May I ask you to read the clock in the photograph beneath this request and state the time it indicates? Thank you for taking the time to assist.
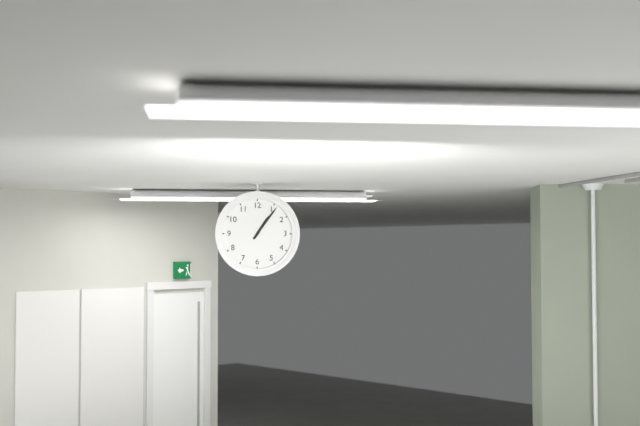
1:06
